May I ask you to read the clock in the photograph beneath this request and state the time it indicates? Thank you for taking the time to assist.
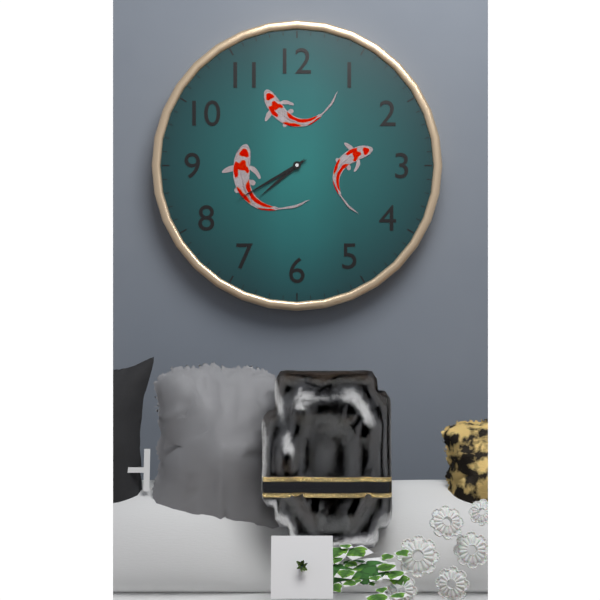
7:40
